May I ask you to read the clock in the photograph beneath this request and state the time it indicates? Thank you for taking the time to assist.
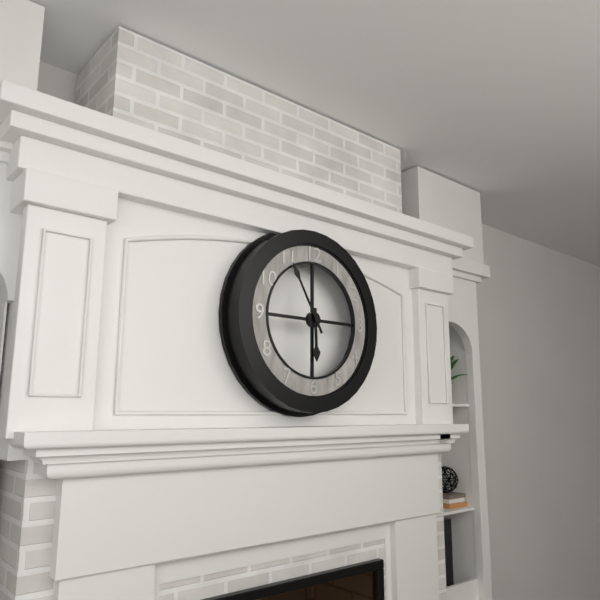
5:55
